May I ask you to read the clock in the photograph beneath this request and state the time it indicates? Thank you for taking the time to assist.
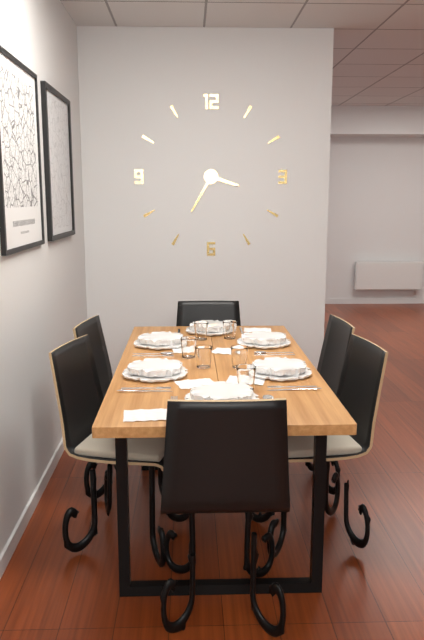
3:35
